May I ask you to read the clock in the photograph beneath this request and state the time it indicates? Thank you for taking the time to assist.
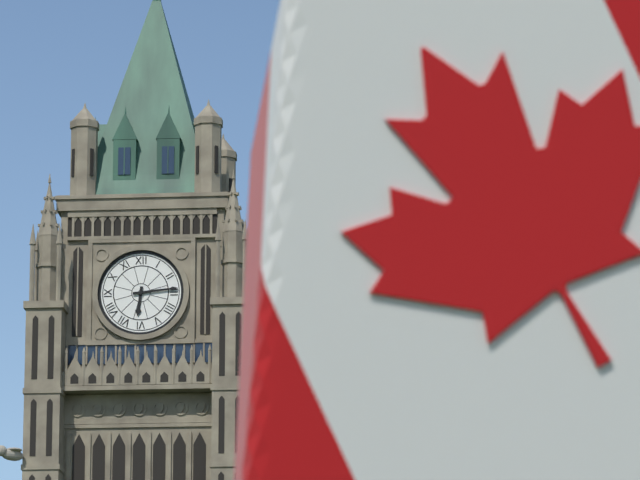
6:14
